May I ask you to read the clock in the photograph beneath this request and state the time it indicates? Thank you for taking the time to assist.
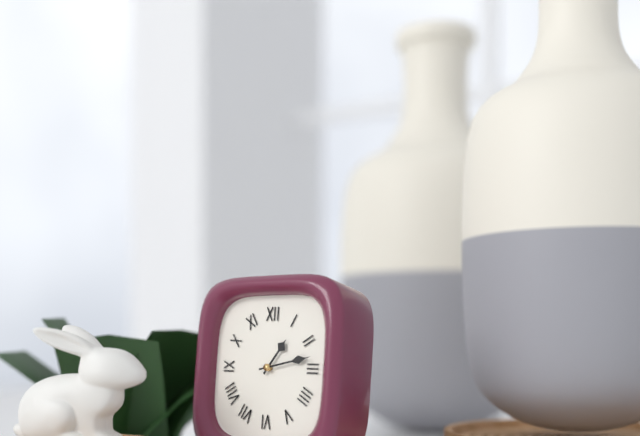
1:13
